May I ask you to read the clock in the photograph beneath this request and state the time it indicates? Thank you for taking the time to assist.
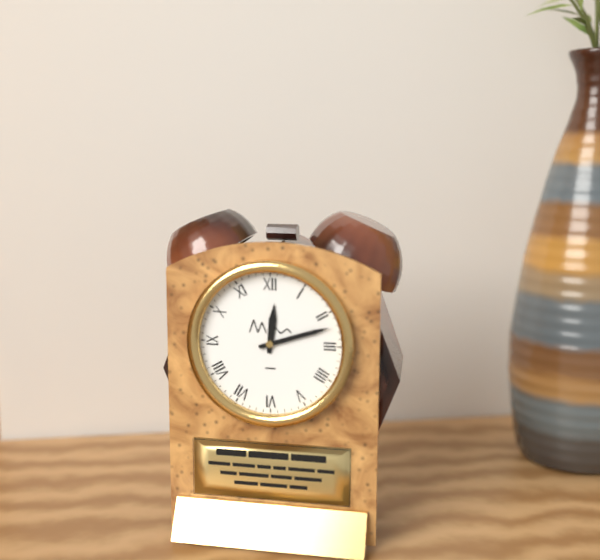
12:12
